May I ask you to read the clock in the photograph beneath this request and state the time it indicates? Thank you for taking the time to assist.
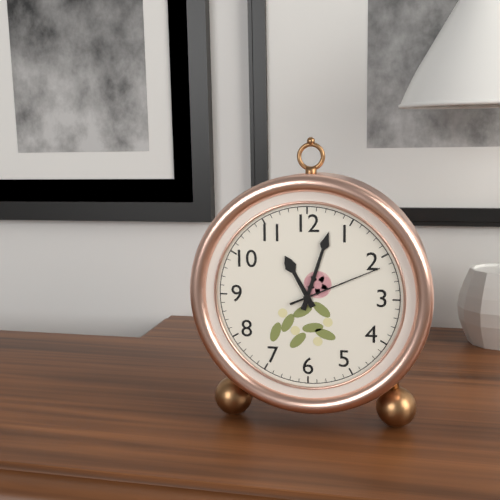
11:03:11
